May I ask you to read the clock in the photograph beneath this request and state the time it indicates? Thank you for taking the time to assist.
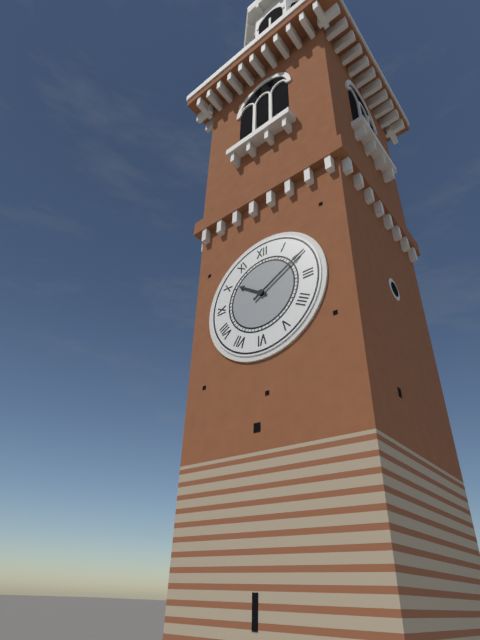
10:10
